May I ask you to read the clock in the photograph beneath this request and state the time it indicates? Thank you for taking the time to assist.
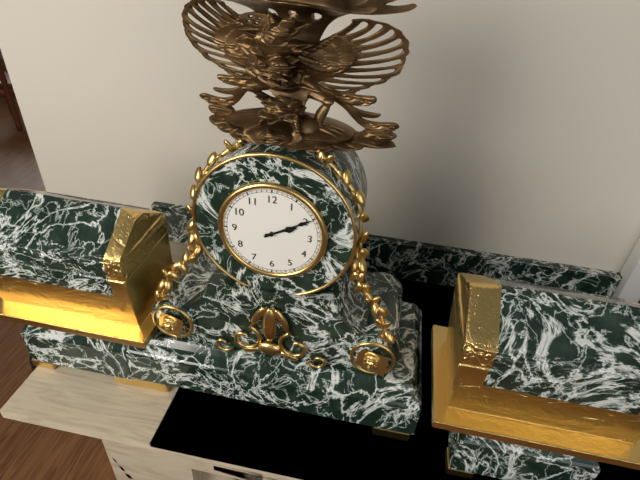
2:10
